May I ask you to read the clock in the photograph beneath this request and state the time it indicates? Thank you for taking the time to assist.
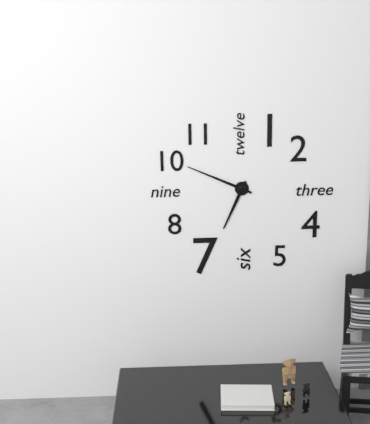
6:49
